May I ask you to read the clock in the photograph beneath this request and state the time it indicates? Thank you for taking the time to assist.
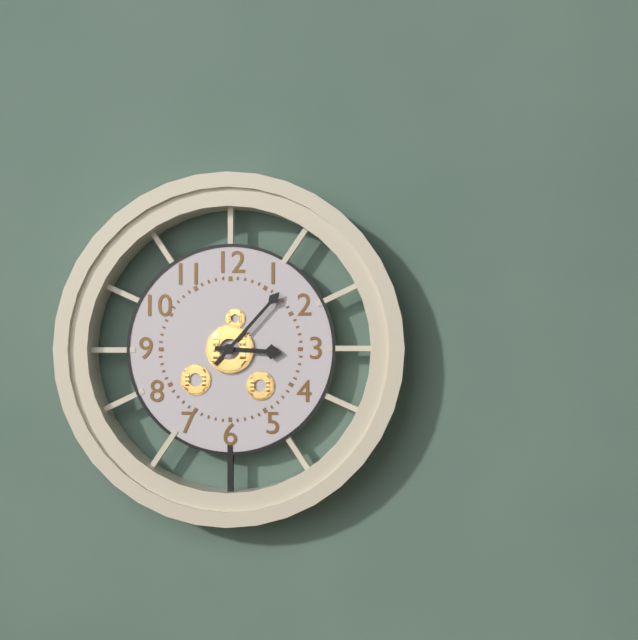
3:07
